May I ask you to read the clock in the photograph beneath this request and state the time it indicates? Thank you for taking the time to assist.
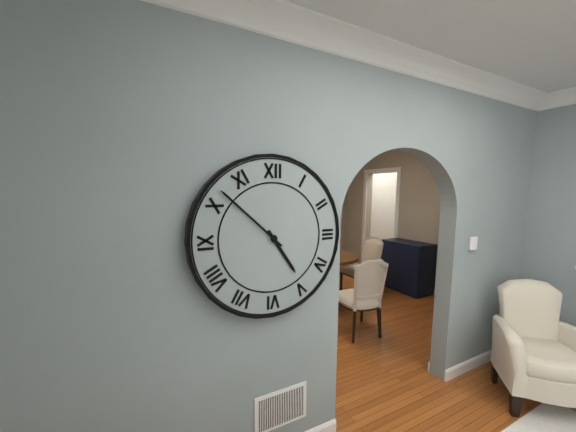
4:52
